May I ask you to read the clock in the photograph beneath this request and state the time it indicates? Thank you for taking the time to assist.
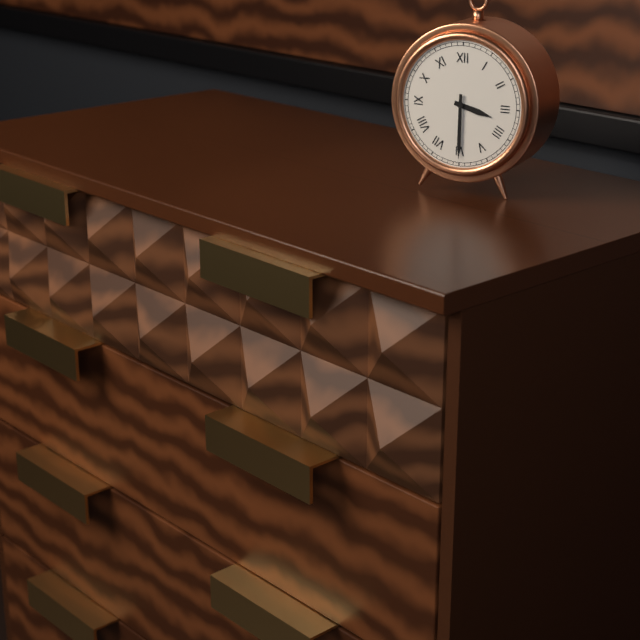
3:30
